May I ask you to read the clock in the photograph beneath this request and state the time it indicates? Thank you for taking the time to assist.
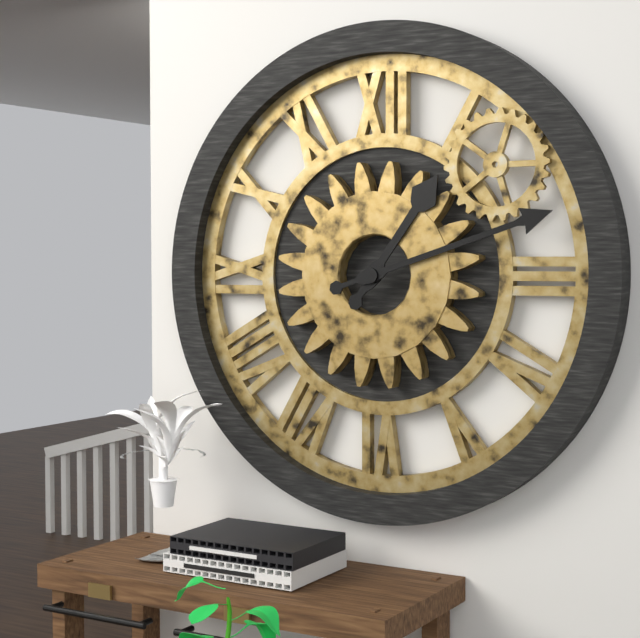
1:12
